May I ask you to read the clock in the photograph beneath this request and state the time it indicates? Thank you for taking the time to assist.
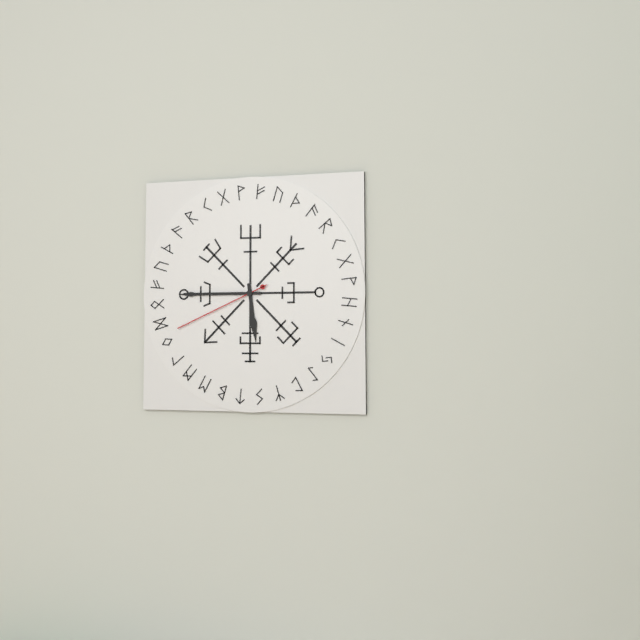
5:45:41
